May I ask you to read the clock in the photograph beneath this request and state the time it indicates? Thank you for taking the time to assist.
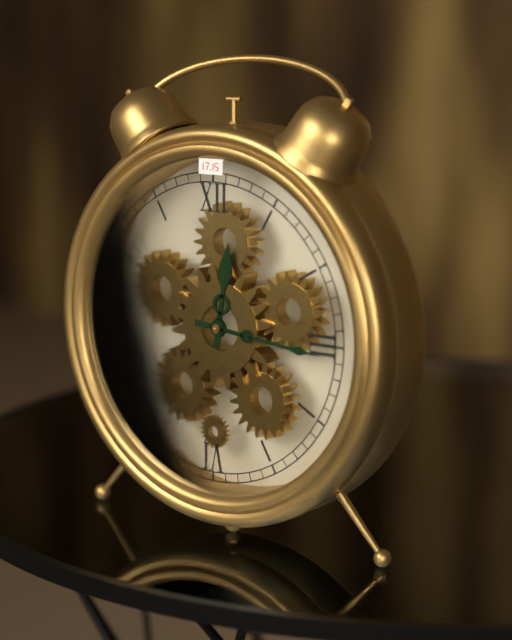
12:16
